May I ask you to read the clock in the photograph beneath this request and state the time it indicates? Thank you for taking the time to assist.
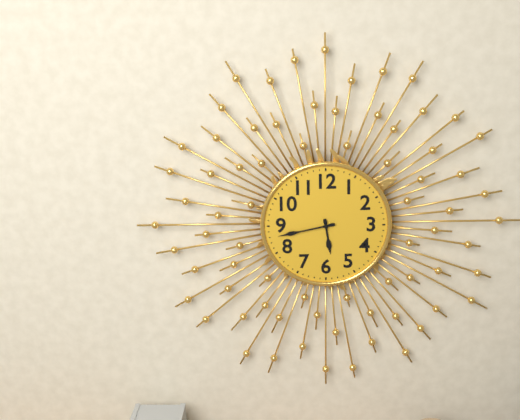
5:43
